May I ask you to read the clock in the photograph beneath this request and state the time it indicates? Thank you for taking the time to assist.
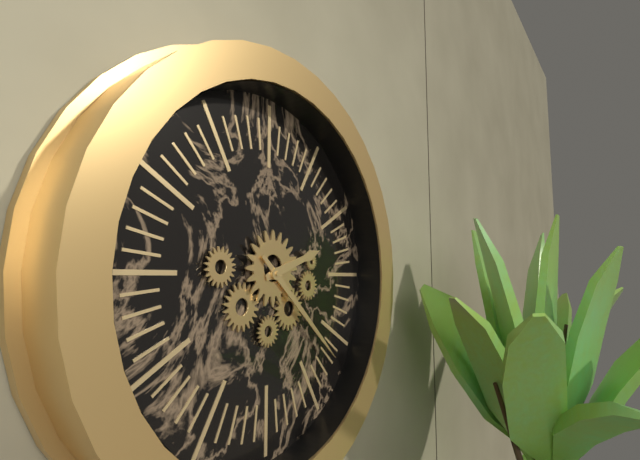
2:22
